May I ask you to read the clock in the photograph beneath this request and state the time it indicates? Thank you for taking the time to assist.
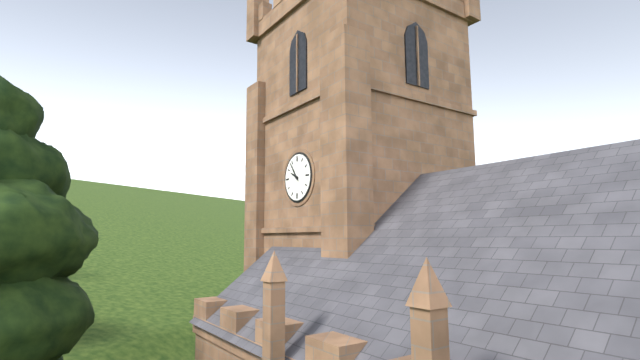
9:54
